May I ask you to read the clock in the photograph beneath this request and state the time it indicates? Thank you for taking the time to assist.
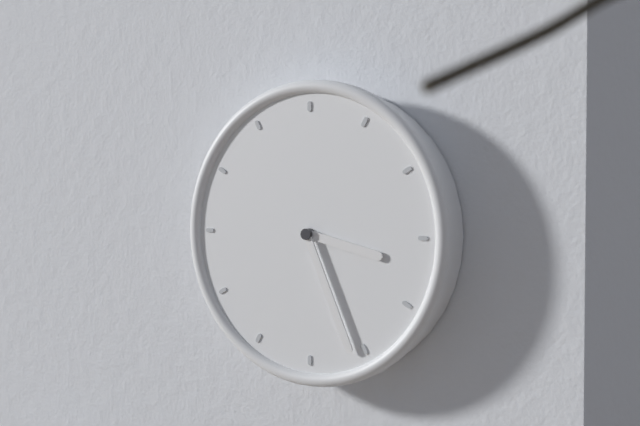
3:26
